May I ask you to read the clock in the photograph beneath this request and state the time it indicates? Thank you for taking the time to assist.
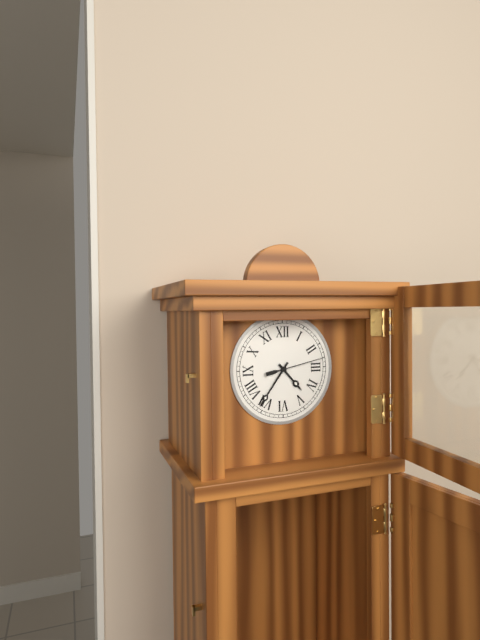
4:36:13
